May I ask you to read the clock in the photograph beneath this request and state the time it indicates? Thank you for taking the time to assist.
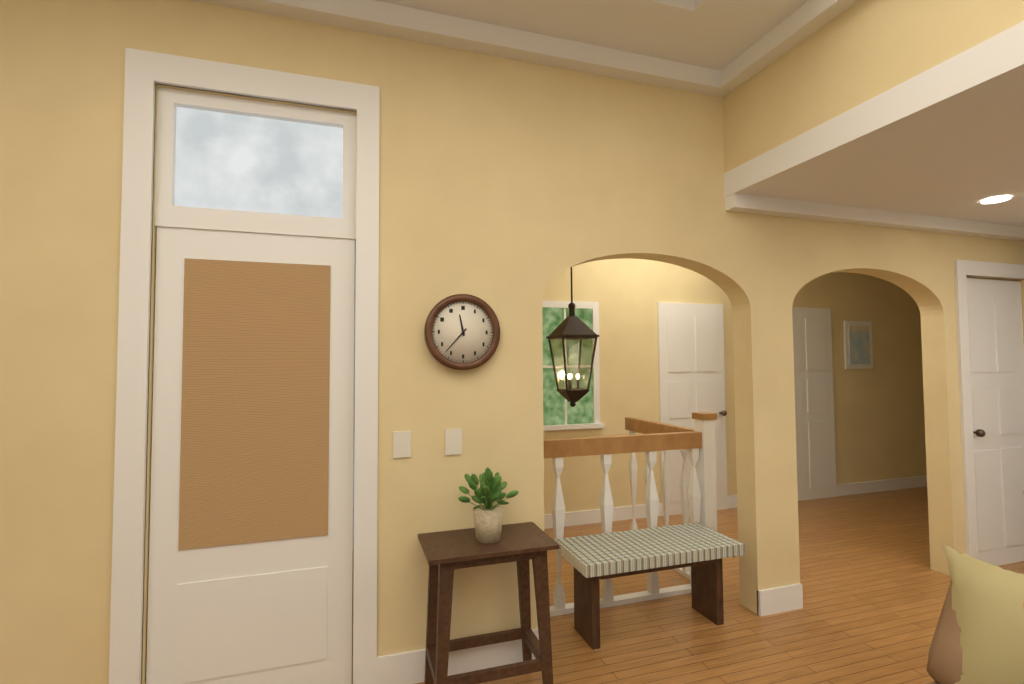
11:37
